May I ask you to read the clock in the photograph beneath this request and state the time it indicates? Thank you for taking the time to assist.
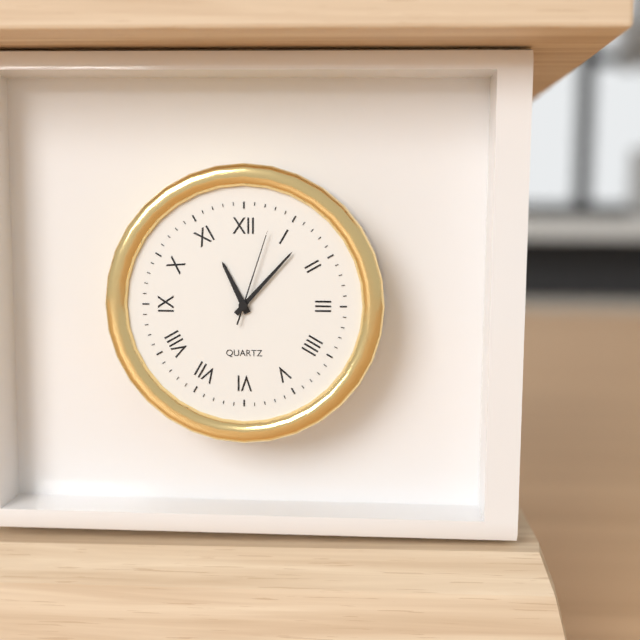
11:07:03
